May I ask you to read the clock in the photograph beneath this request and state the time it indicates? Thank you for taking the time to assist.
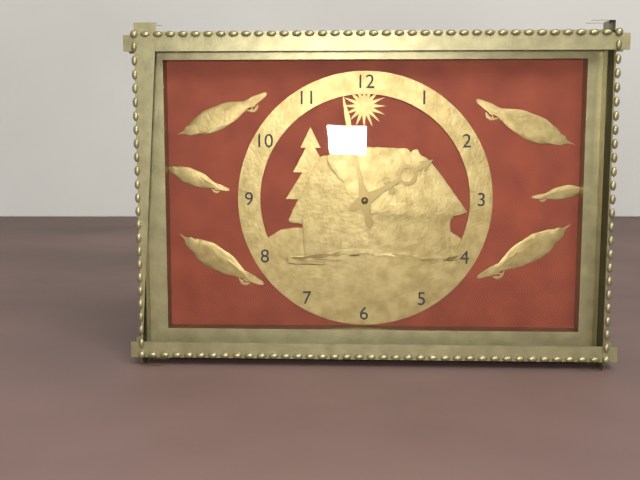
1:58
